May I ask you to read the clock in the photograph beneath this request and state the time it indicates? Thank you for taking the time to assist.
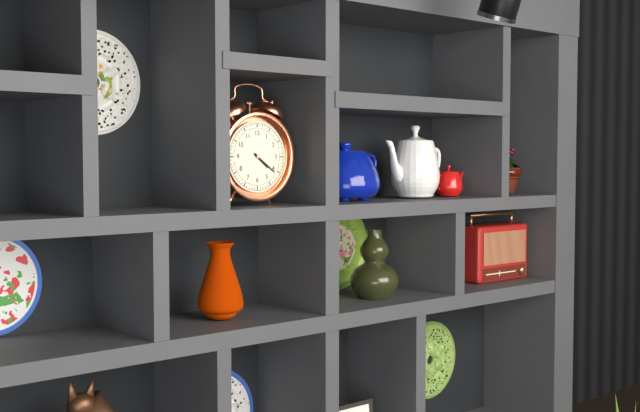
4:21
